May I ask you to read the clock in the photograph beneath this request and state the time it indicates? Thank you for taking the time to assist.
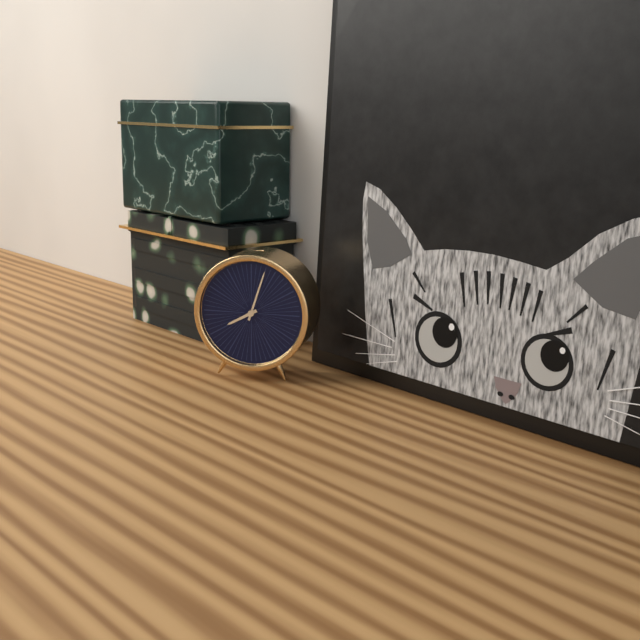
8:03
